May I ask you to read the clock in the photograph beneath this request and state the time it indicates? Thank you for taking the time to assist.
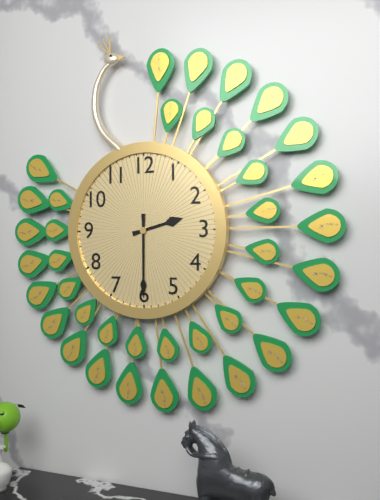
2:30
